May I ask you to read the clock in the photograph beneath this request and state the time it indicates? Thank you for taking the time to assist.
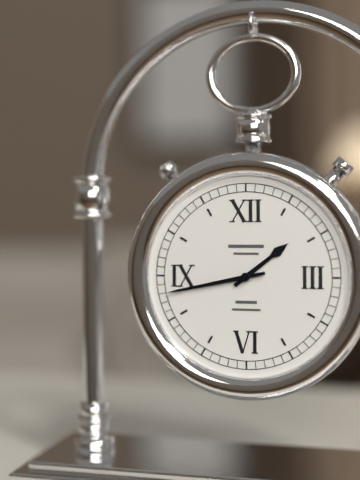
1:43
